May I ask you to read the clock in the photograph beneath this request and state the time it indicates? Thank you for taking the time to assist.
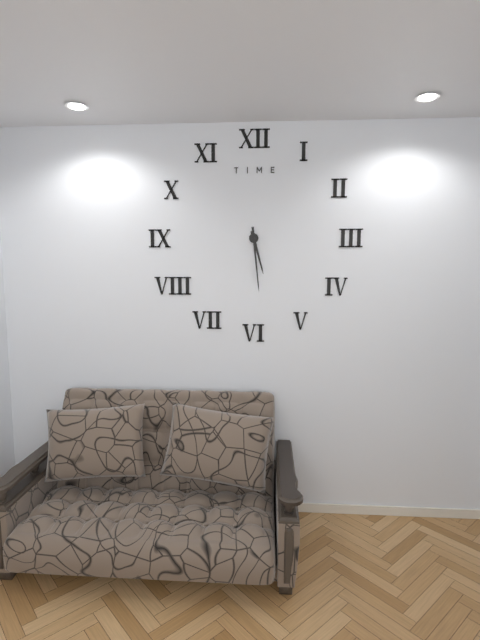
5:29
